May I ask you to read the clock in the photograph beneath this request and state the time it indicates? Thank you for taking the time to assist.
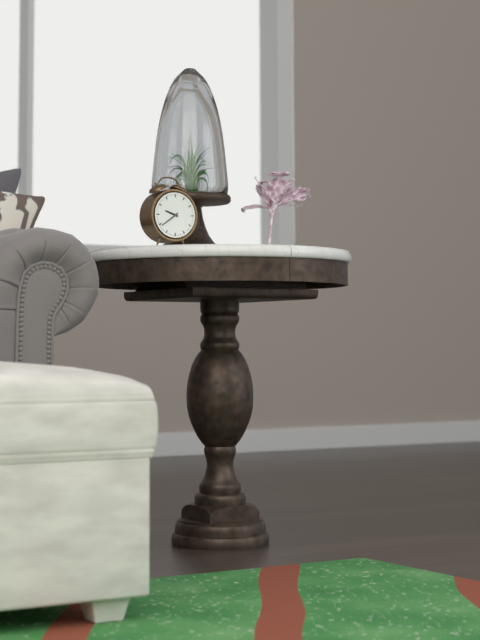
9:39
